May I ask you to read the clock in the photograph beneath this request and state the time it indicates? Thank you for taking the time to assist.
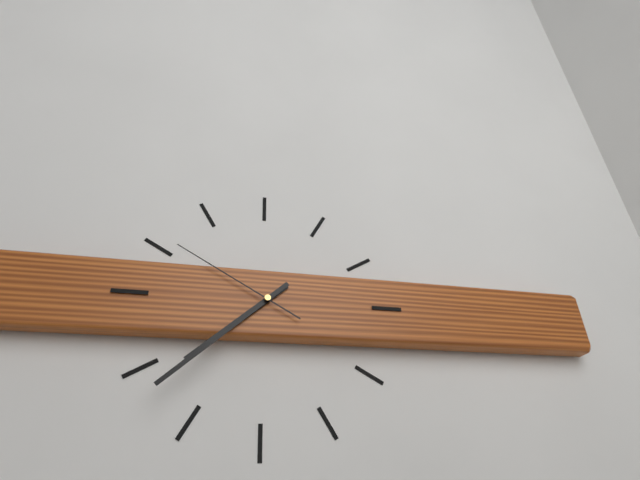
7:38:50
